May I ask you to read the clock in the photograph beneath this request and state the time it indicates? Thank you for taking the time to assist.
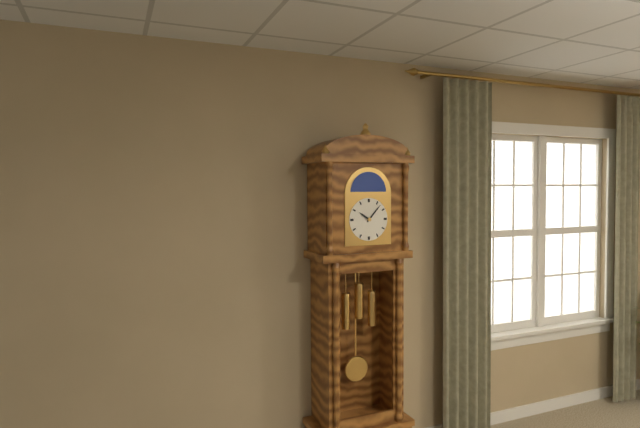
10:07
